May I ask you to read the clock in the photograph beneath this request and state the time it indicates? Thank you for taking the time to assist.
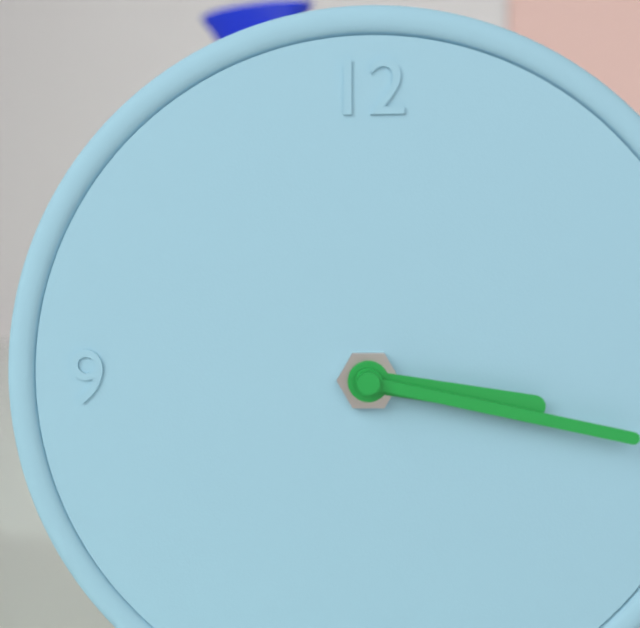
3:17
